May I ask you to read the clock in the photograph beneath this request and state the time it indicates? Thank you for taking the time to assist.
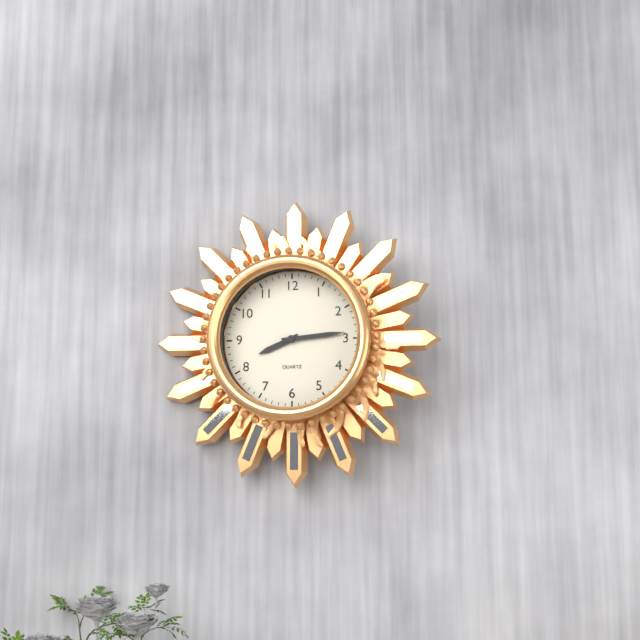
8:14
